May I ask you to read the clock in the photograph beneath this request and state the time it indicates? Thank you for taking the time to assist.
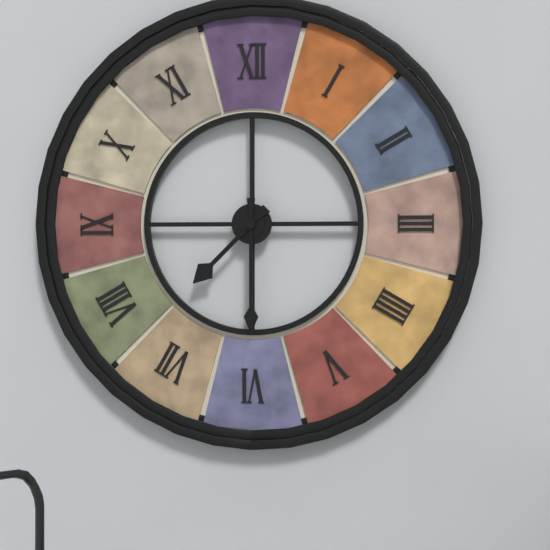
7:30
